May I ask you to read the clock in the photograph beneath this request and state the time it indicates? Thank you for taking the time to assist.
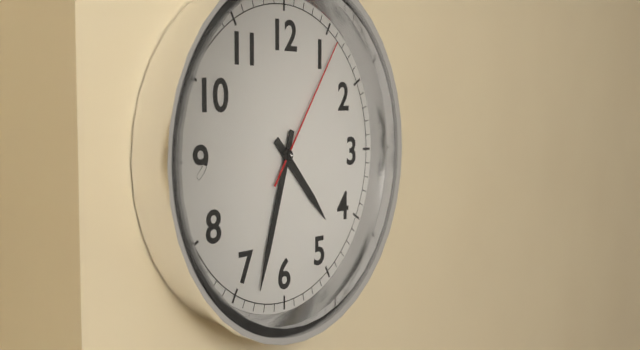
4:33:06
